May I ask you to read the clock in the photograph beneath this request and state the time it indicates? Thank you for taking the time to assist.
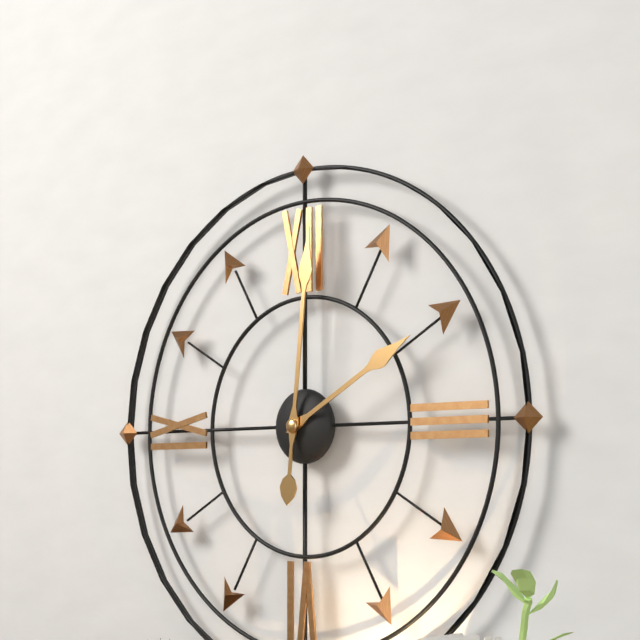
2:01
